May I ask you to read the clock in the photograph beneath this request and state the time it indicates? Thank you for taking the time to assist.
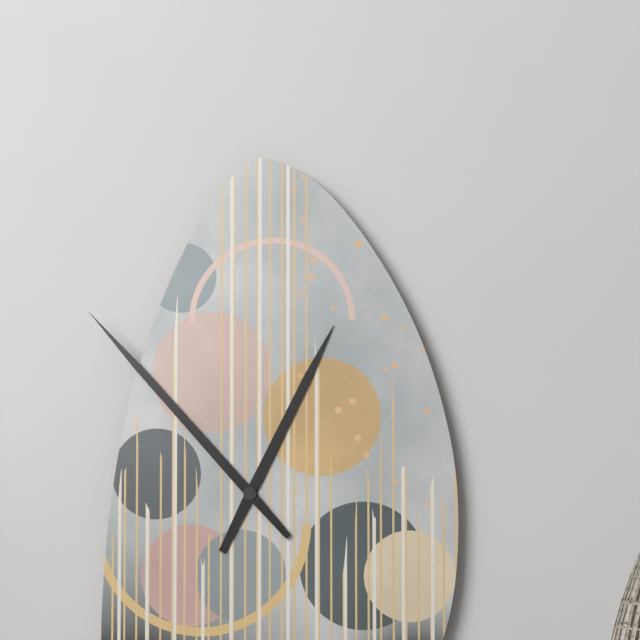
12:53
